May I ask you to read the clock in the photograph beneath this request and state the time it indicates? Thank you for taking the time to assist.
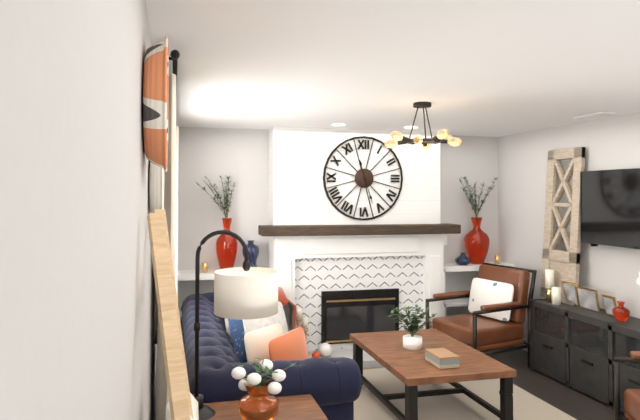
11:27
